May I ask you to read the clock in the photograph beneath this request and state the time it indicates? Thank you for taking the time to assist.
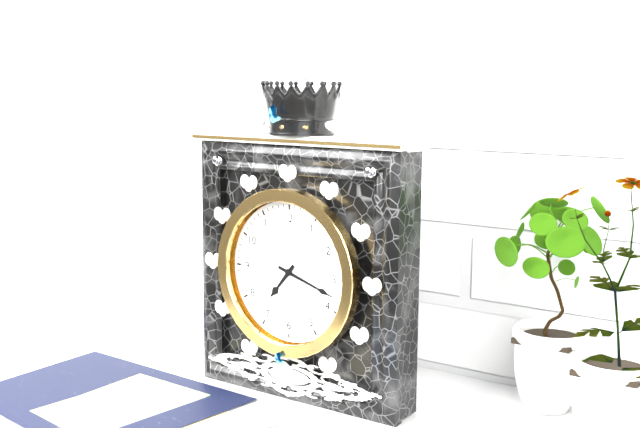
7:18
